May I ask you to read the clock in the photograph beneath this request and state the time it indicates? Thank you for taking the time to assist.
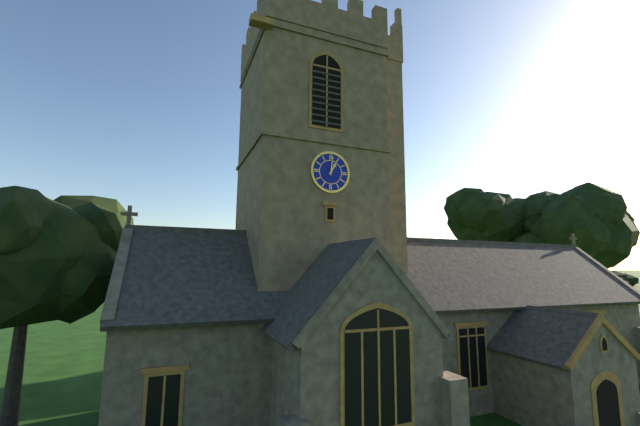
1:01
